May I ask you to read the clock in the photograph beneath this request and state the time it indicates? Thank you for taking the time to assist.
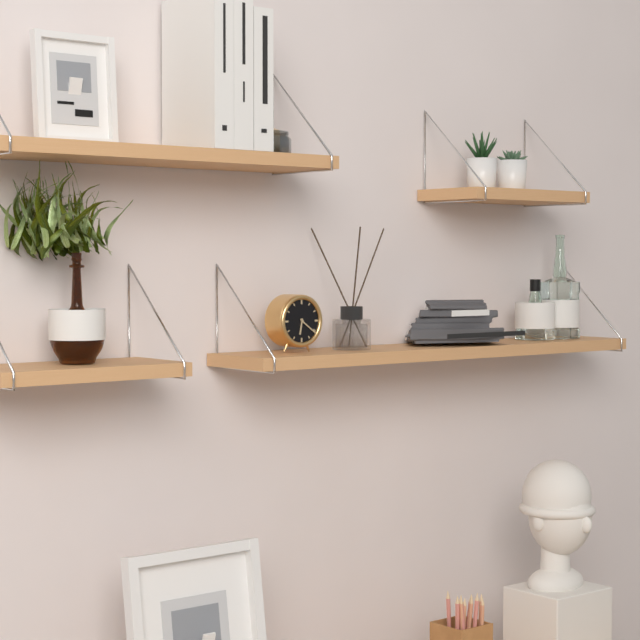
6:21
